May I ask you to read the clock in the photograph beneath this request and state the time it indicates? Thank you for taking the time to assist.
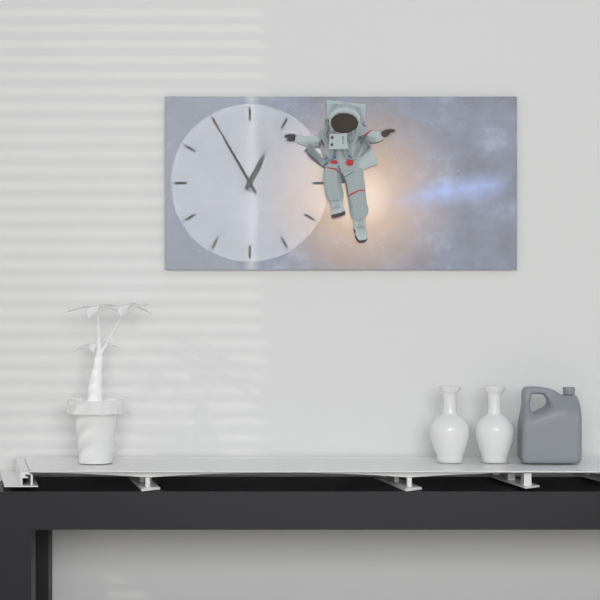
12:55
